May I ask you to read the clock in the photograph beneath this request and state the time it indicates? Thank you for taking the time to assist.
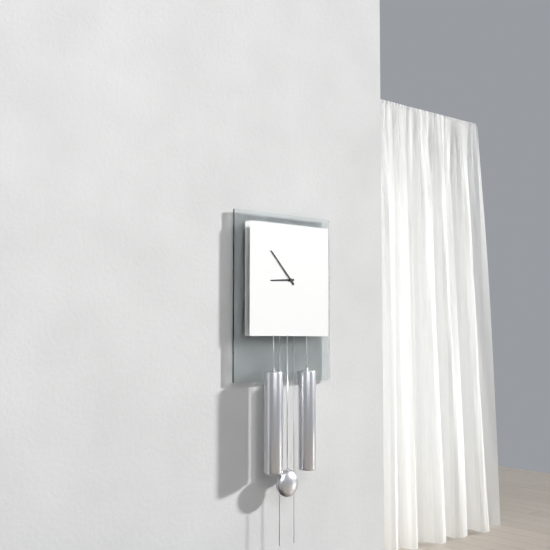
8:53
